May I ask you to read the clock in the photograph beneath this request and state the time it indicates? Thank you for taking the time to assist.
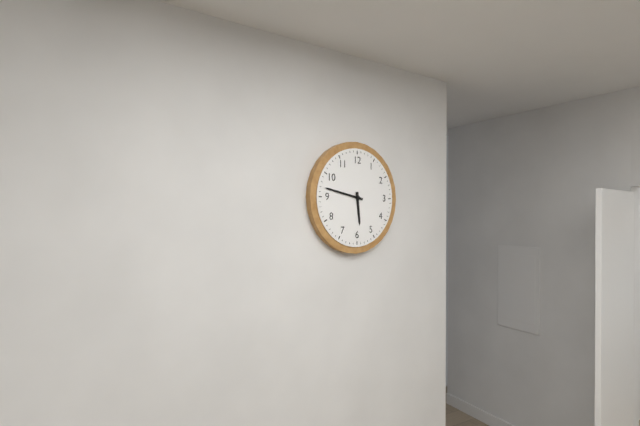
5:47
